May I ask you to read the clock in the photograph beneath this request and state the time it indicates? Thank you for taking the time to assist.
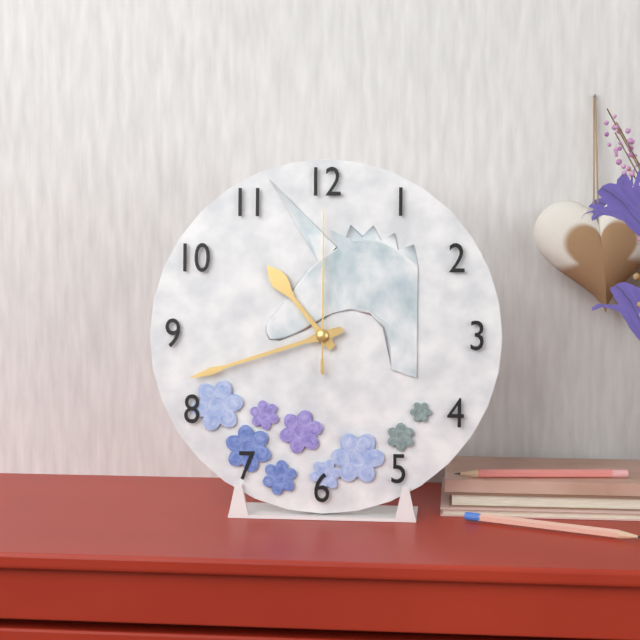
10:42:00
